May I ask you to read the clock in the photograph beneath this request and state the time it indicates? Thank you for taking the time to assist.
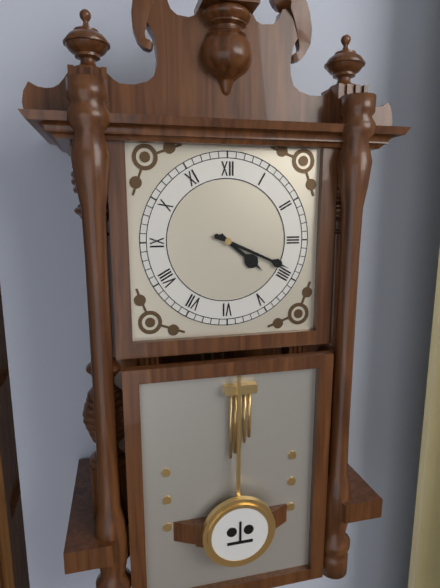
4:19
